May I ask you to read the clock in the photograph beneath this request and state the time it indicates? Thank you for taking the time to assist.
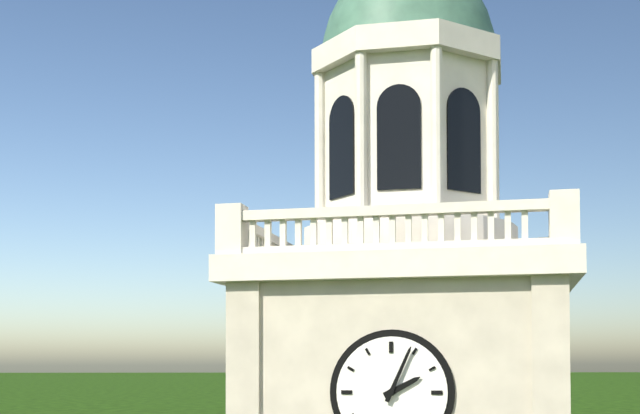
2:04
